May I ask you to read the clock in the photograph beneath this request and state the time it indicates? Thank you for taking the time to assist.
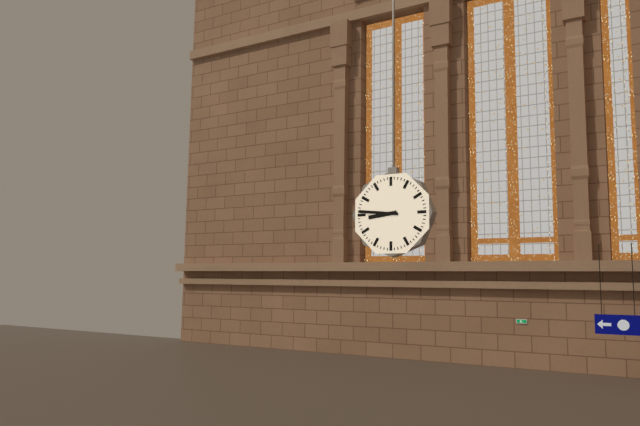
8:46
